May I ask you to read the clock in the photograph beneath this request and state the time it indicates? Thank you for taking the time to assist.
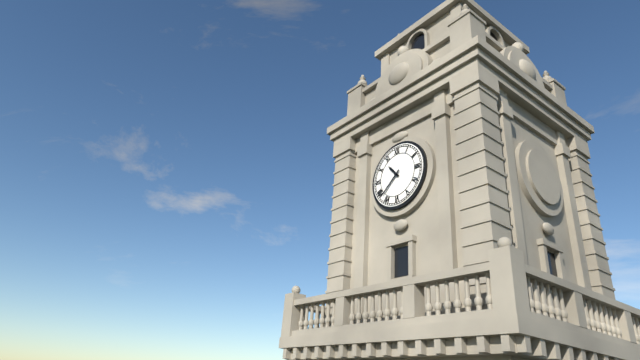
10:38
